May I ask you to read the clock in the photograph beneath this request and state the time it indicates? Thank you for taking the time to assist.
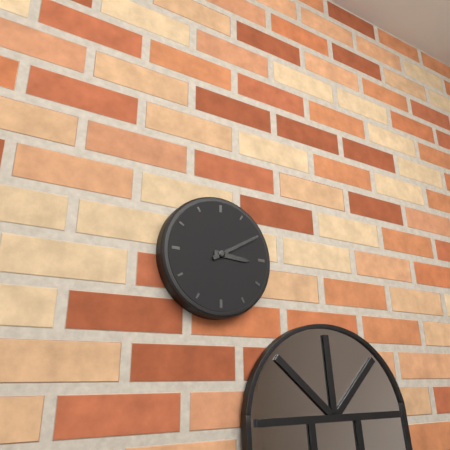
3:10
